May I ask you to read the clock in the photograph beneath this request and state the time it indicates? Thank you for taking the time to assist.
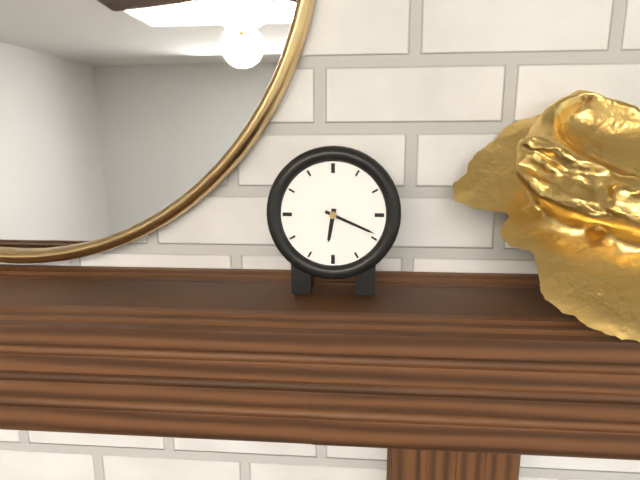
6:19
